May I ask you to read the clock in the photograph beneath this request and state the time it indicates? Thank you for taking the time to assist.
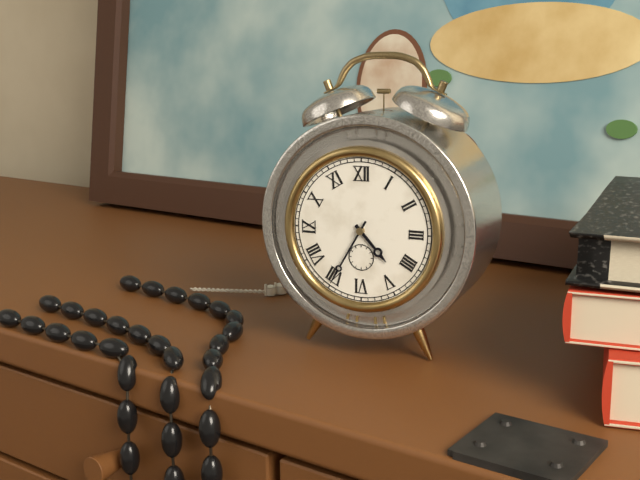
4:35
